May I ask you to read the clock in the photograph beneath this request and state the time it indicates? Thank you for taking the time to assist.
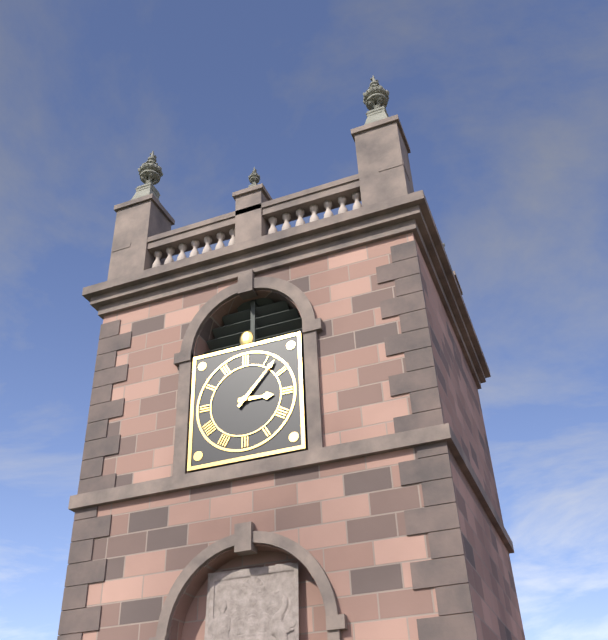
3:07
